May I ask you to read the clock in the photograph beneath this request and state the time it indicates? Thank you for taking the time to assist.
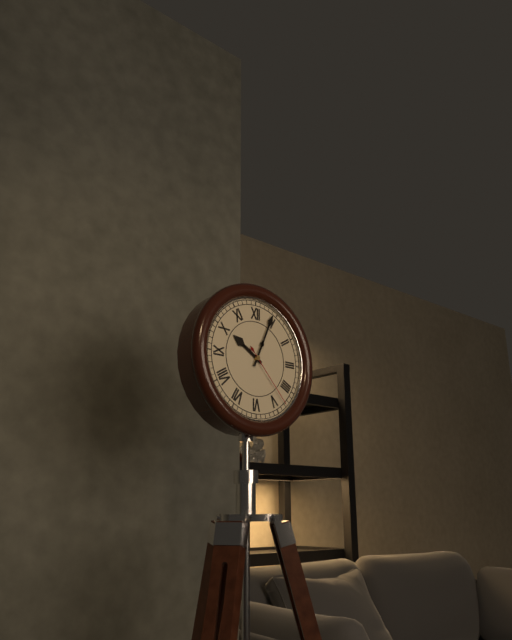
10:04:23
